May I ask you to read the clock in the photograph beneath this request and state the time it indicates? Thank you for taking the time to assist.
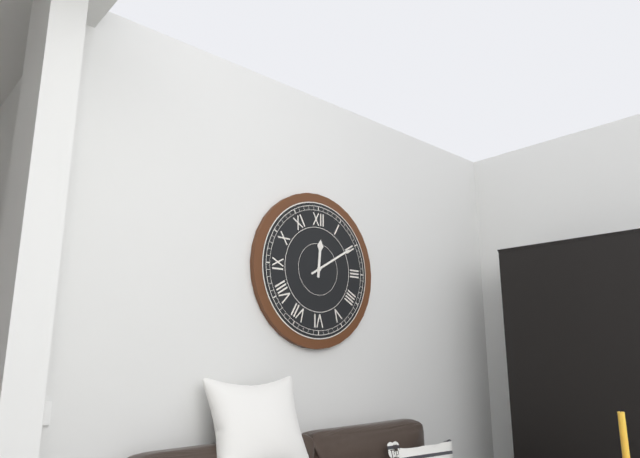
12:10
